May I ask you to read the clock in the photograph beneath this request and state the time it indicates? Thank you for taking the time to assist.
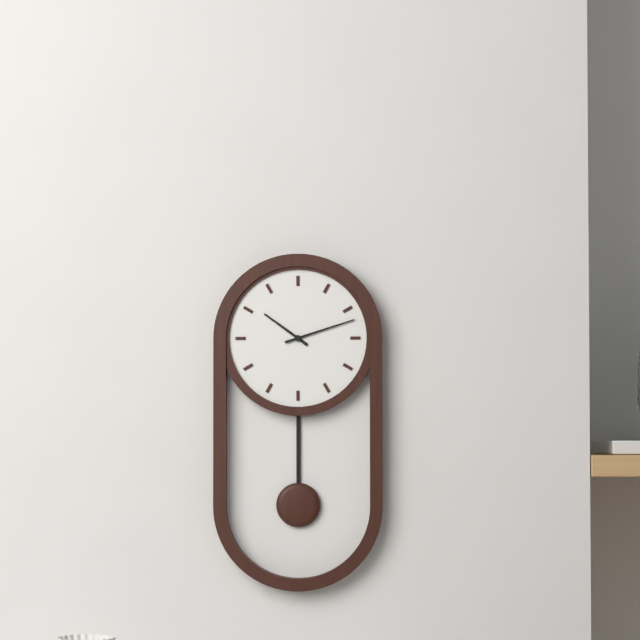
10:12
